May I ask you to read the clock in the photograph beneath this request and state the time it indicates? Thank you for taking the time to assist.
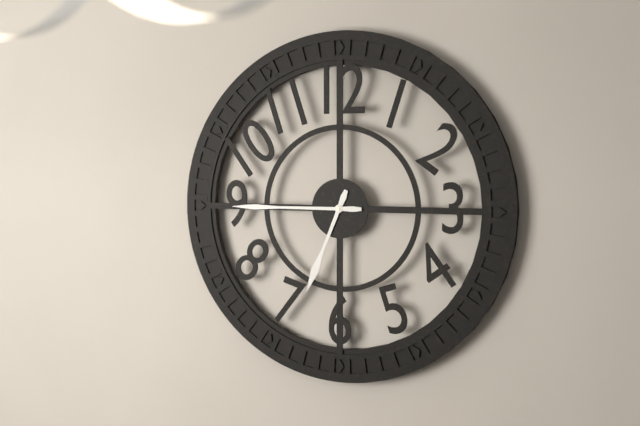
6:45
